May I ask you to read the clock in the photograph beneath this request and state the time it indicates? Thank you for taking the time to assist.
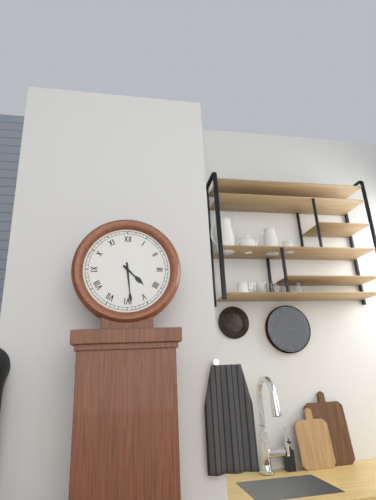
4:29
